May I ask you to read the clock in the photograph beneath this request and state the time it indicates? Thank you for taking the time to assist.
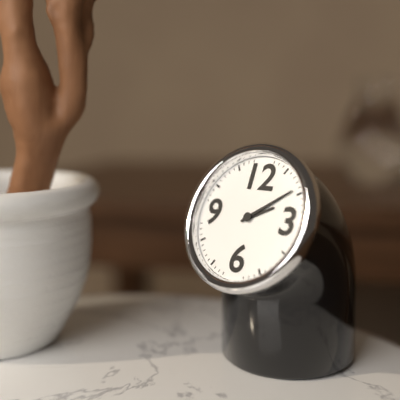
2:09
